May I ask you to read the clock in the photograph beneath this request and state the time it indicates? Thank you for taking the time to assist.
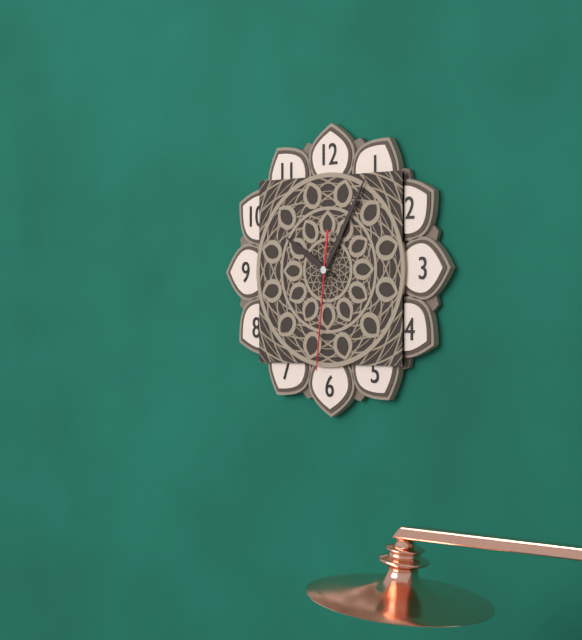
10:05:31
